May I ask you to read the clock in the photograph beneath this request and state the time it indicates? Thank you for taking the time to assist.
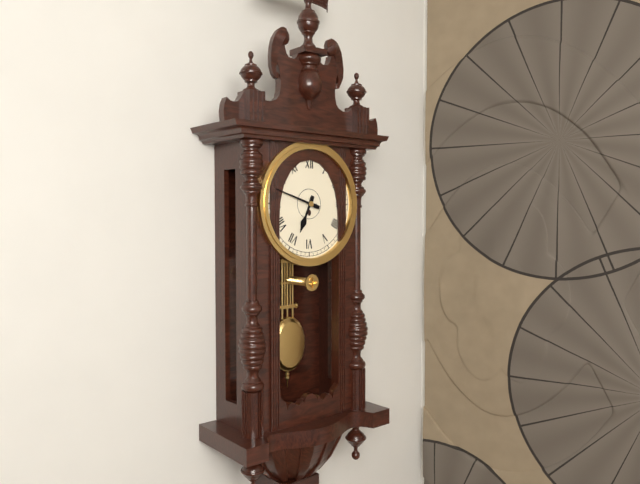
6:48
